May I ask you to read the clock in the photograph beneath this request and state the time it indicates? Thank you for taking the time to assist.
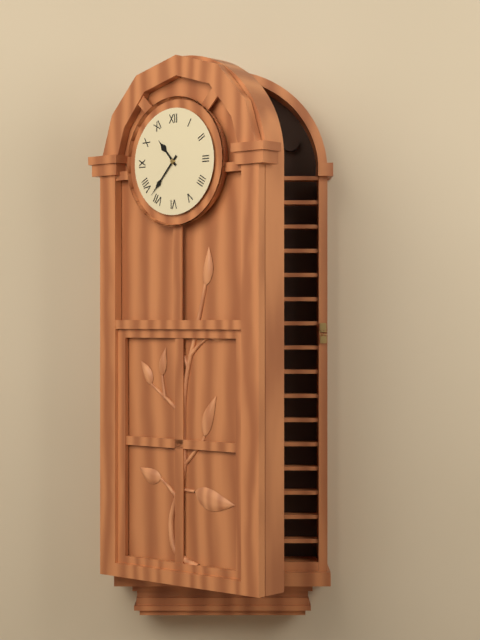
10:37
